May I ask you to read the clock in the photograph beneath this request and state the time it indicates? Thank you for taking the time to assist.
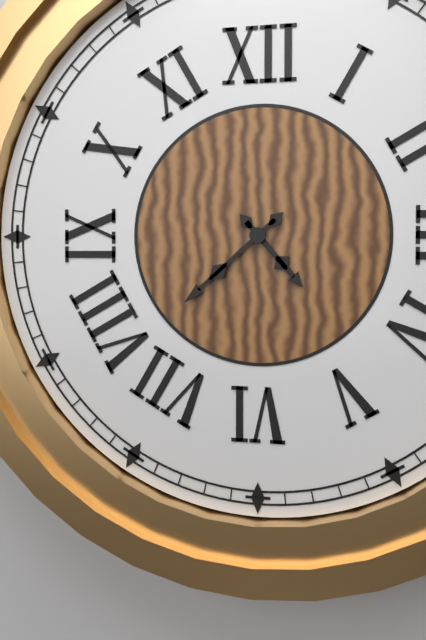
4:38
